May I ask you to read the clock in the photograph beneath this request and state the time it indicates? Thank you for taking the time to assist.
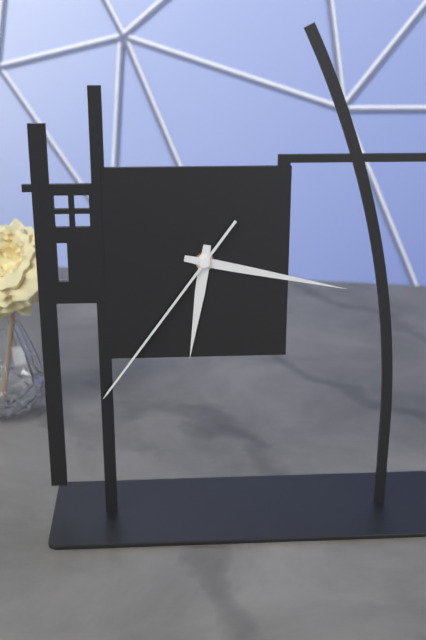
6:17:36
